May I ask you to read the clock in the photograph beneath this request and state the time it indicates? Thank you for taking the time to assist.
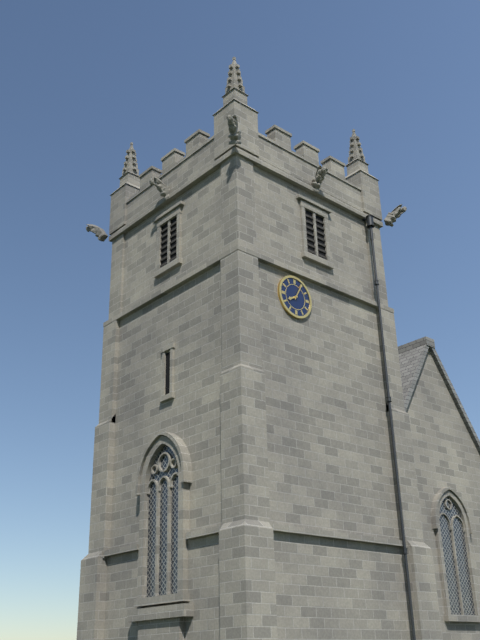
8:05
